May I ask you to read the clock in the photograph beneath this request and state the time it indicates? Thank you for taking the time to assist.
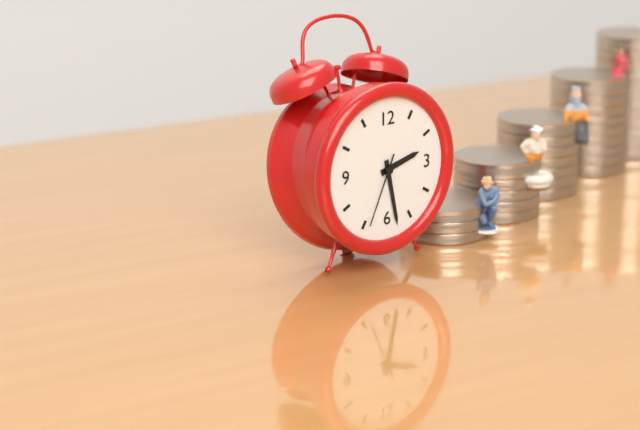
2:28:34
